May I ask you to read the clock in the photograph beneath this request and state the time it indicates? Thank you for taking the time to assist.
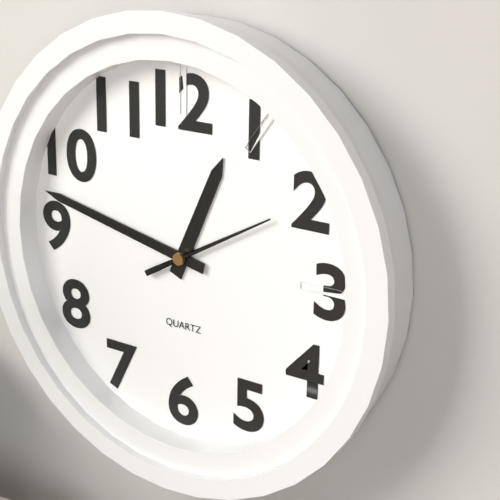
12:47:10
